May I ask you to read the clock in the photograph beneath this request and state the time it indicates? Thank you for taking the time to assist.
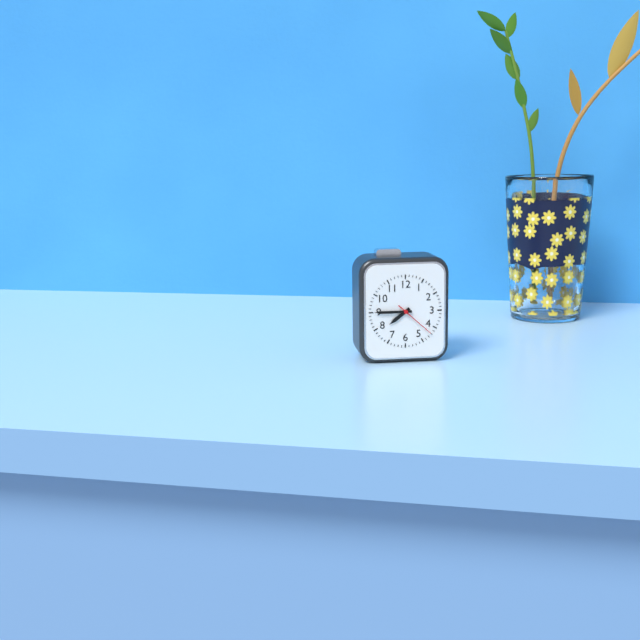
7:45
